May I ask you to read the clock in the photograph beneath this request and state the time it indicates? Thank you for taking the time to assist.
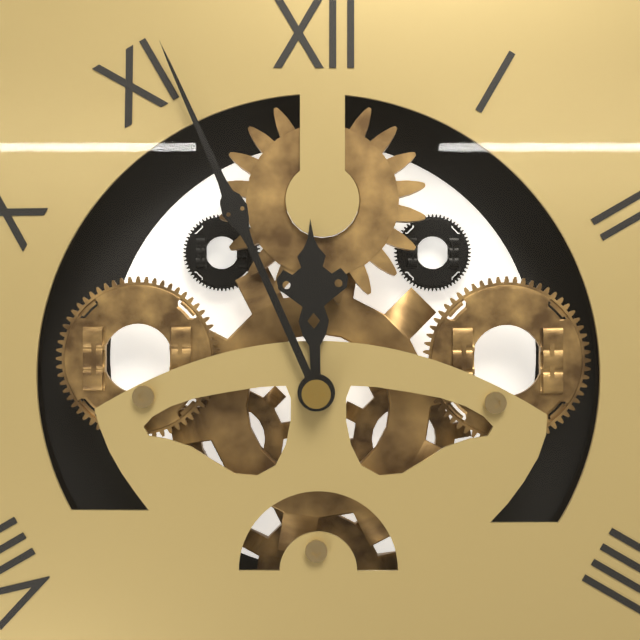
11:56
